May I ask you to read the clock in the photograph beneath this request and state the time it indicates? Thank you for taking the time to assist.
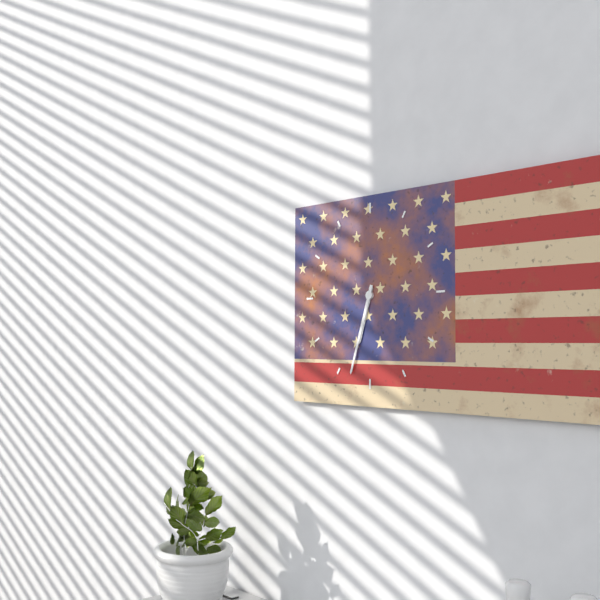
6:33
